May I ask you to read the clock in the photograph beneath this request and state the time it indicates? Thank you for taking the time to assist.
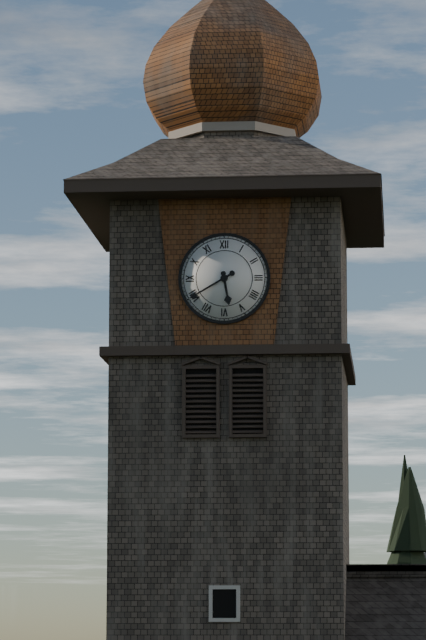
5:40
